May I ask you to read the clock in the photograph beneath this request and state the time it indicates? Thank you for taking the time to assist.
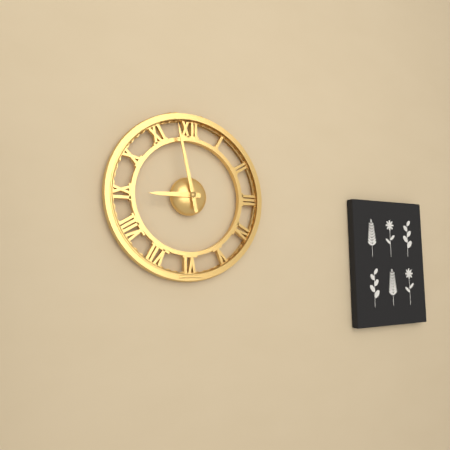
8:58
